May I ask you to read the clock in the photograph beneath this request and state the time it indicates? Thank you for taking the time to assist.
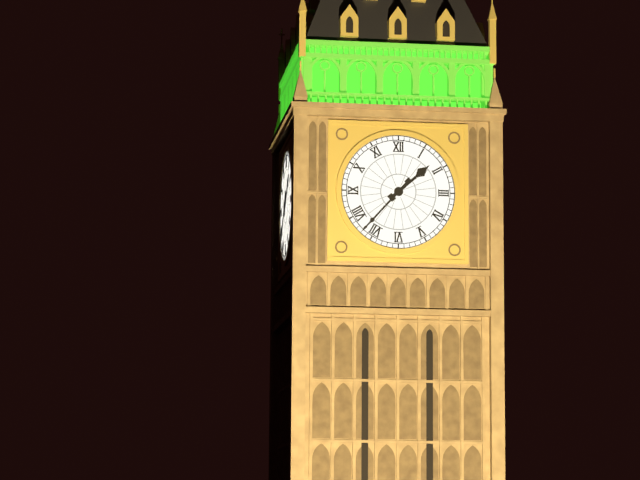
1:37
